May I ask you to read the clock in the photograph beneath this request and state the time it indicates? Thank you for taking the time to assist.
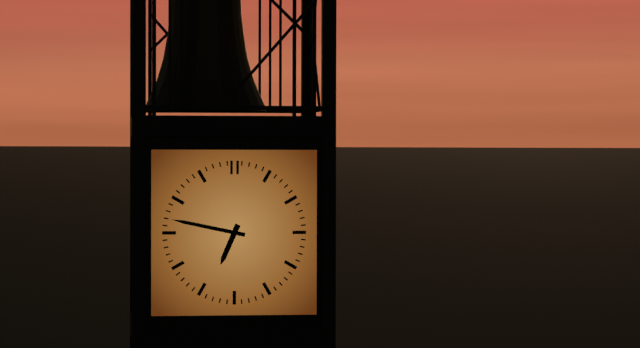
6:47
